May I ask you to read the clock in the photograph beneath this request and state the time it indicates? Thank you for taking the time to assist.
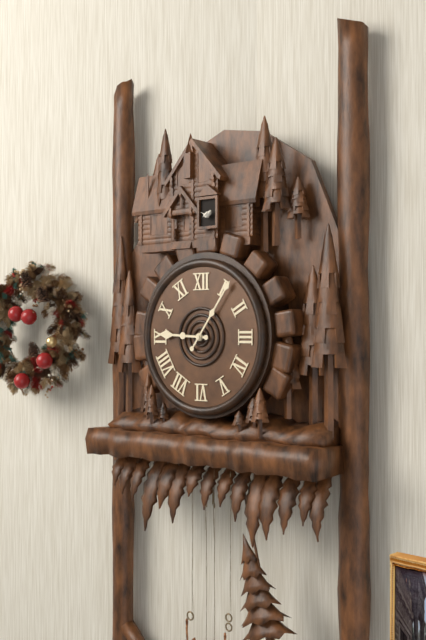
9:06
